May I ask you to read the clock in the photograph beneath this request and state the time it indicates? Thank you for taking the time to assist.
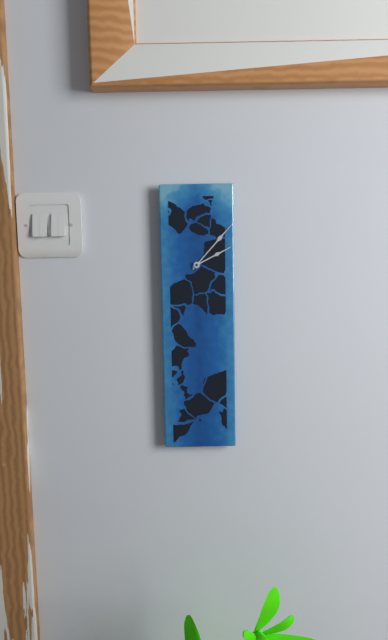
2:07
